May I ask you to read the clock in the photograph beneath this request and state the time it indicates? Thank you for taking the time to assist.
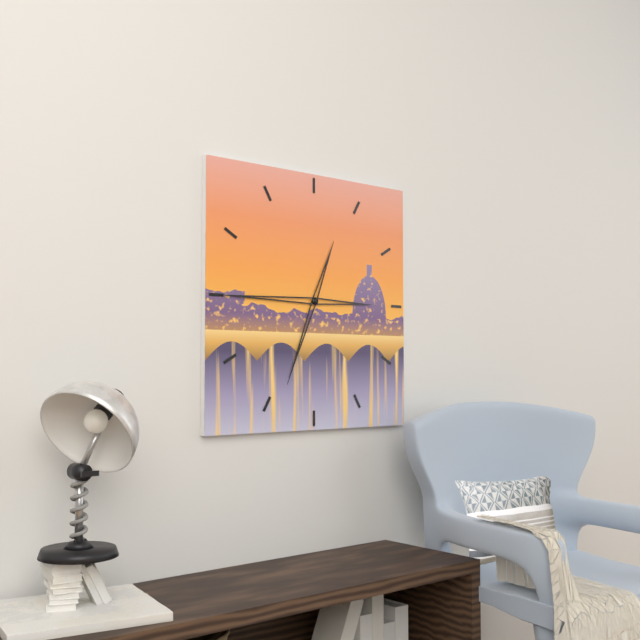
6:45
